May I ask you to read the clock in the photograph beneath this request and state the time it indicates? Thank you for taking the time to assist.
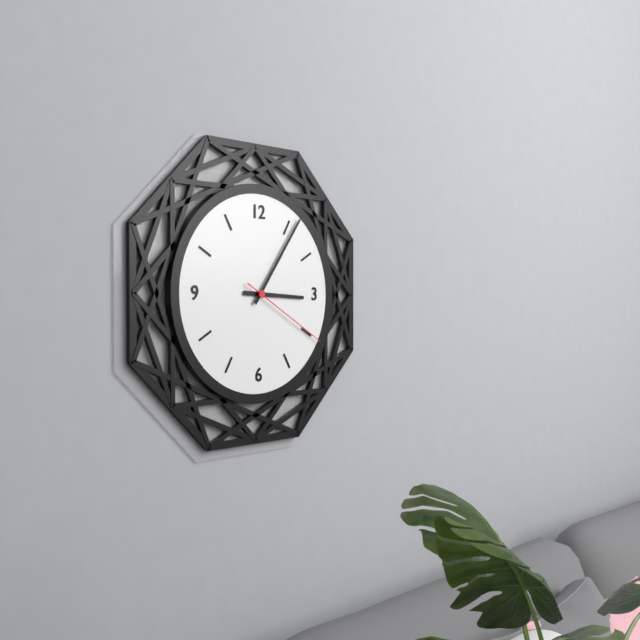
3:06:20
